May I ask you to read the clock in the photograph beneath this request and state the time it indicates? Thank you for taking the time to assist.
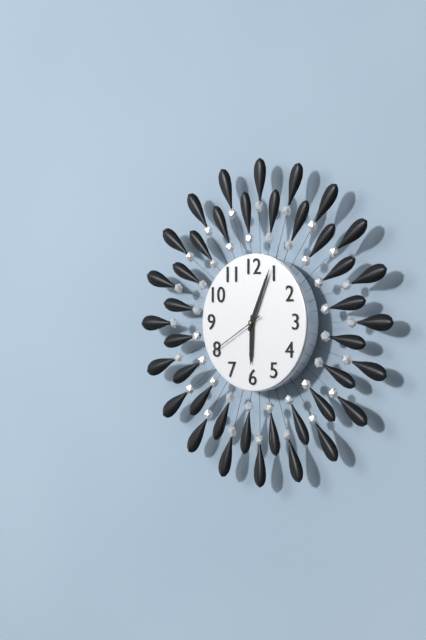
6:04:40
